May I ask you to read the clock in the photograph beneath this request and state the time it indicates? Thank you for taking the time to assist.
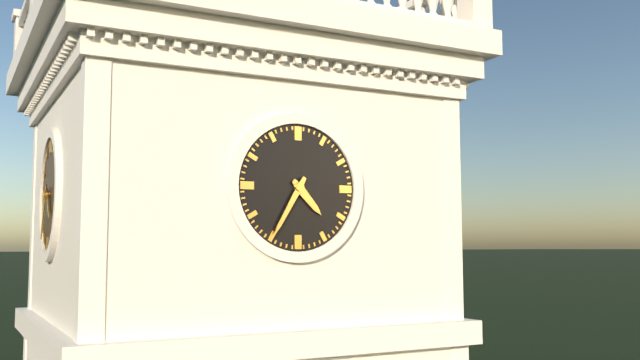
4:35
